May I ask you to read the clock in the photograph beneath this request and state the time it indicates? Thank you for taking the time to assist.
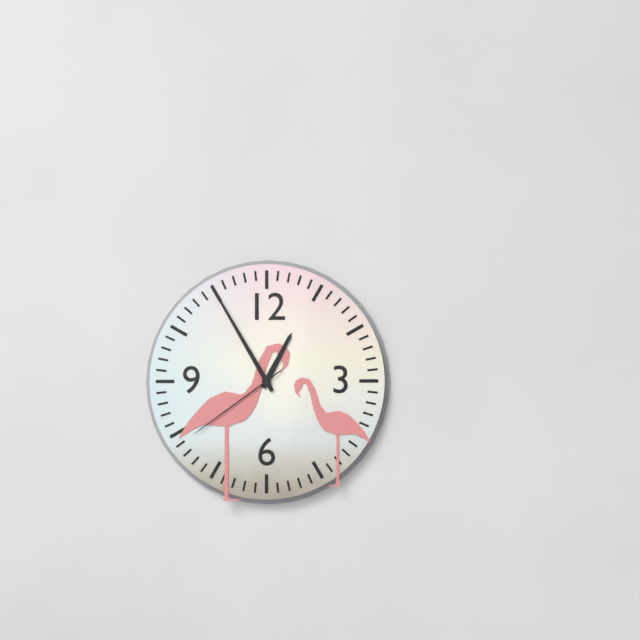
12:55:39
